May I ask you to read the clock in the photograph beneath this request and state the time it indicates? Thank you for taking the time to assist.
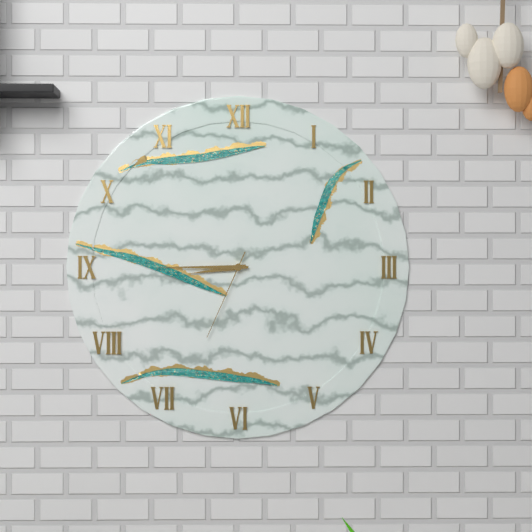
8:45:34
